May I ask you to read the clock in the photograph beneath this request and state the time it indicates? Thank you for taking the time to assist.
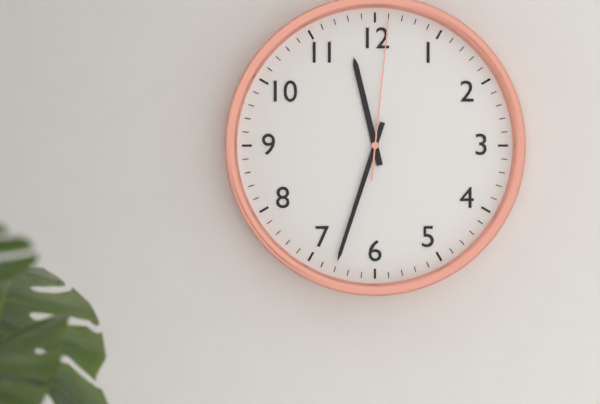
11:33:01
